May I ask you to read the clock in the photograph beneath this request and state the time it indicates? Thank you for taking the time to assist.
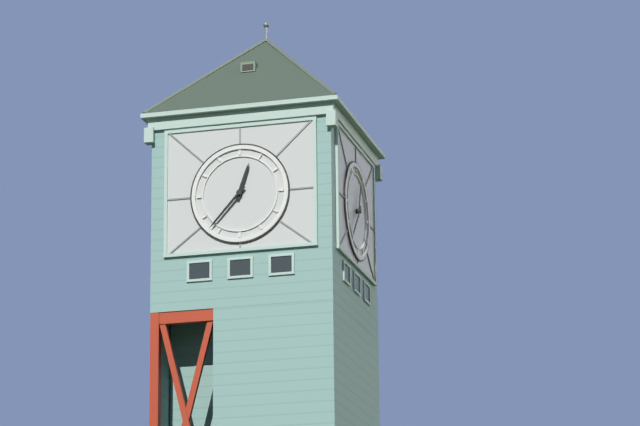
12:37
